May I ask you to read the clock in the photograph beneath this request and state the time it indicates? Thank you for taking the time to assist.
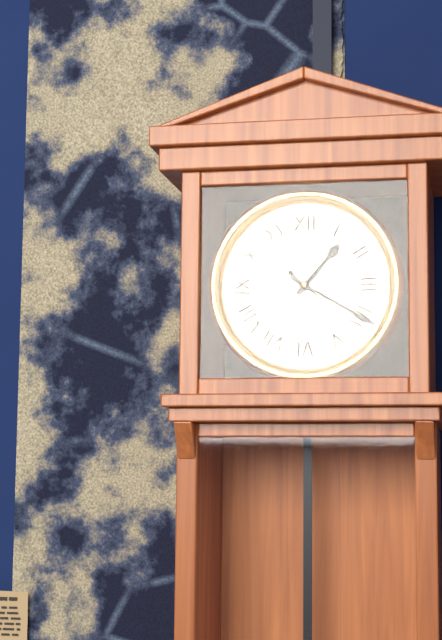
1:20:22
